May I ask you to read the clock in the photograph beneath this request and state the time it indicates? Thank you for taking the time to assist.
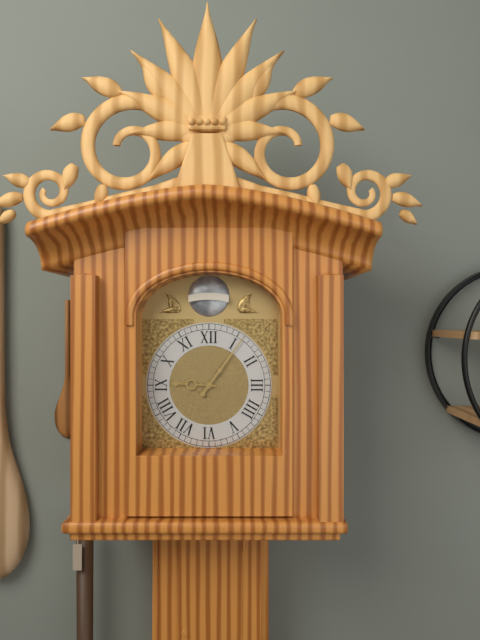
9:06
